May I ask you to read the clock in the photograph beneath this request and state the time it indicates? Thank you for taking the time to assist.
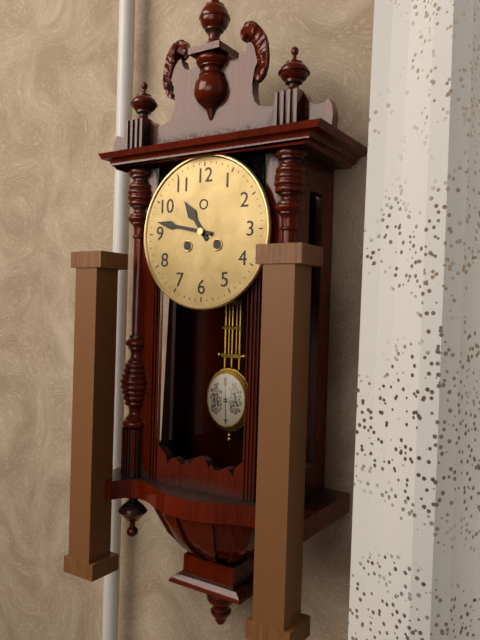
10:47
